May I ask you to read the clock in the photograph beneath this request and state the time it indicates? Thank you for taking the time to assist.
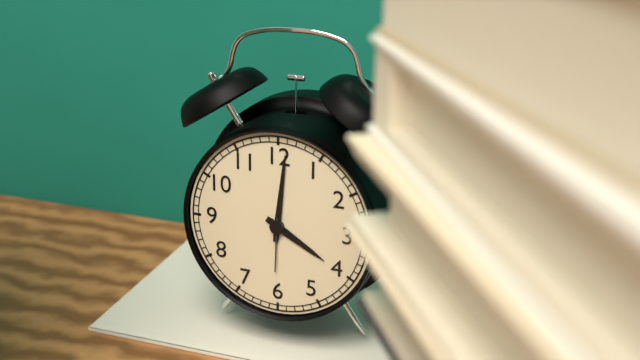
4:01
